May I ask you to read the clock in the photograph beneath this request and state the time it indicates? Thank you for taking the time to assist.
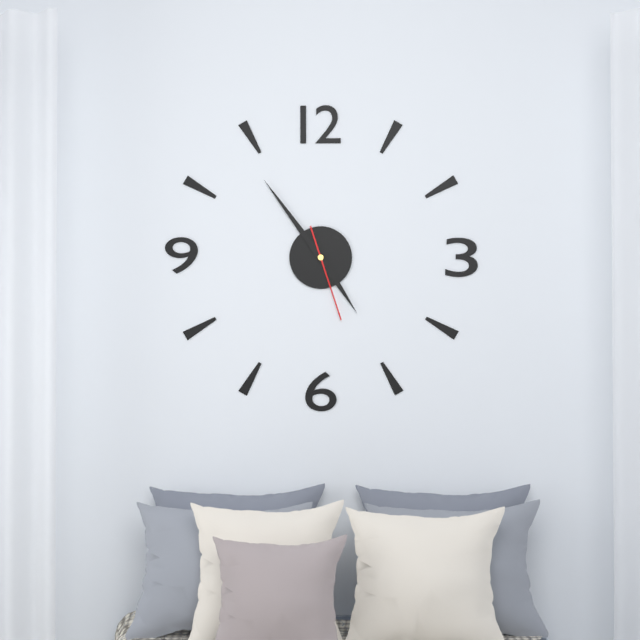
4:54:27
